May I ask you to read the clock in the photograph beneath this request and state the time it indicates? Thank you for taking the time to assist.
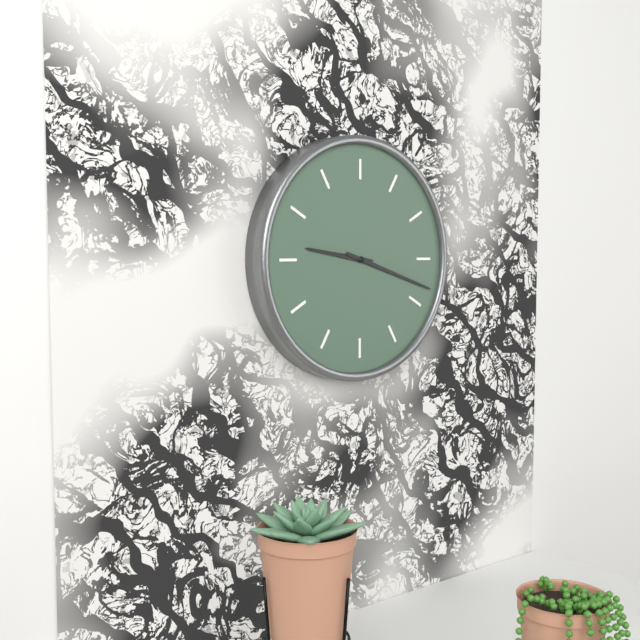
9:18
